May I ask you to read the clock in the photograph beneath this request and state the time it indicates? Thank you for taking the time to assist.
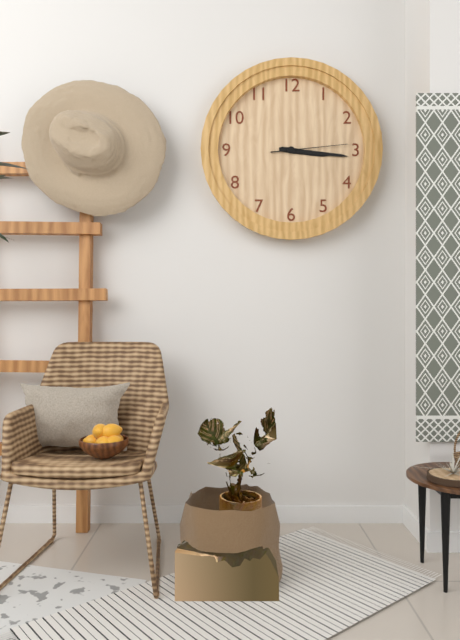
3:16:14
